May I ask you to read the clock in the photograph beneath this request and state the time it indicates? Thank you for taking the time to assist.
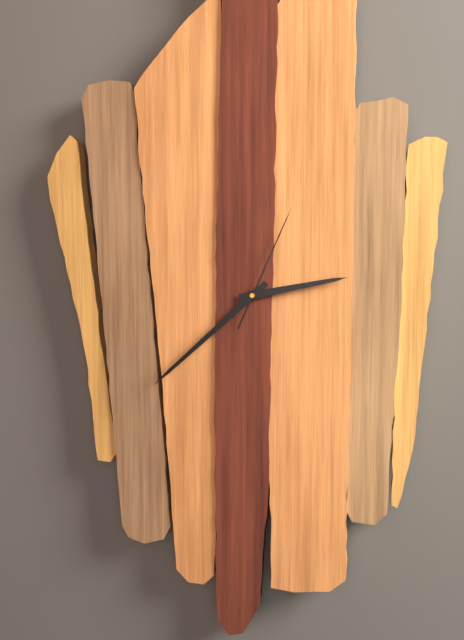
2:38:04
